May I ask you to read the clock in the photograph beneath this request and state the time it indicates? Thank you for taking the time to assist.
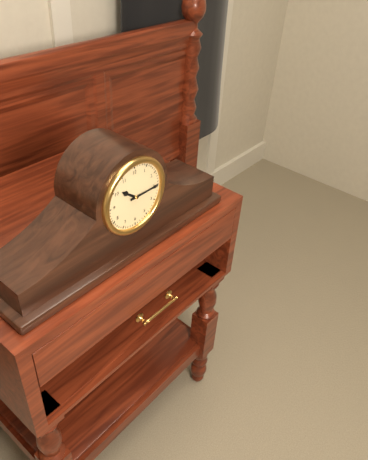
10:15
